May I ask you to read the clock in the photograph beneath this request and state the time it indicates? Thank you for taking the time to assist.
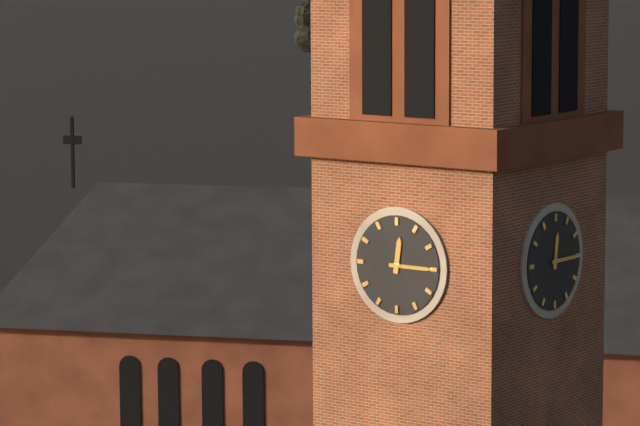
12:15
